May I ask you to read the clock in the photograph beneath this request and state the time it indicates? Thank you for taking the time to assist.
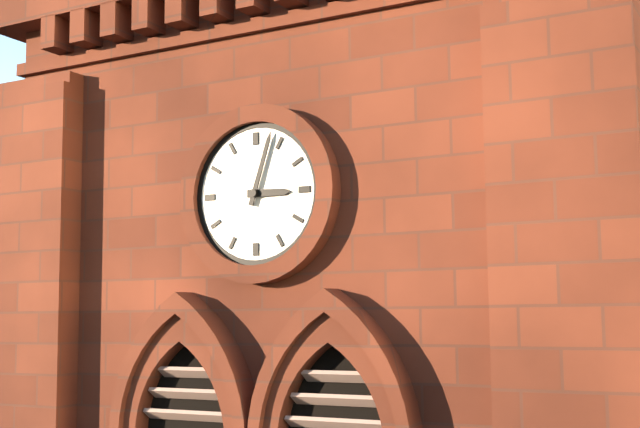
3:03
